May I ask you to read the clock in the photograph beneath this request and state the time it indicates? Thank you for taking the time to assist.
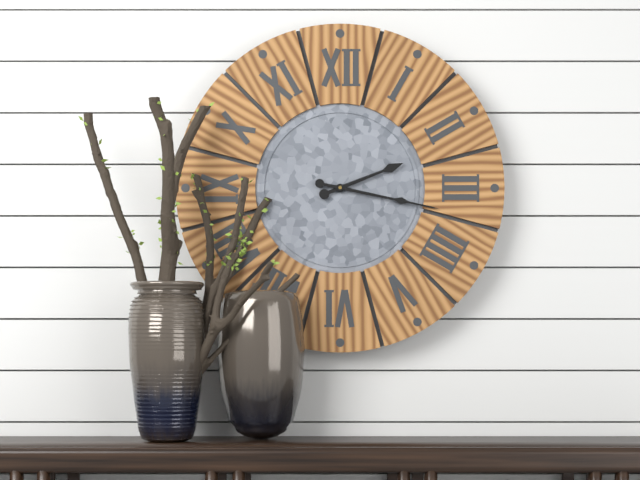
2:17
